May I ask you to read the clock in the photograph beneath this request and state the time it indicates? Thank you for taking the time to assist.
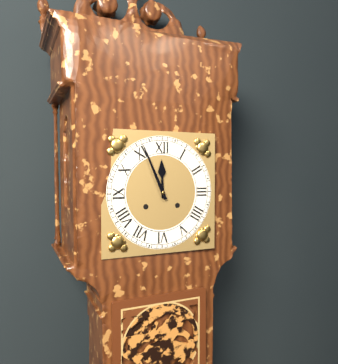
11:56
